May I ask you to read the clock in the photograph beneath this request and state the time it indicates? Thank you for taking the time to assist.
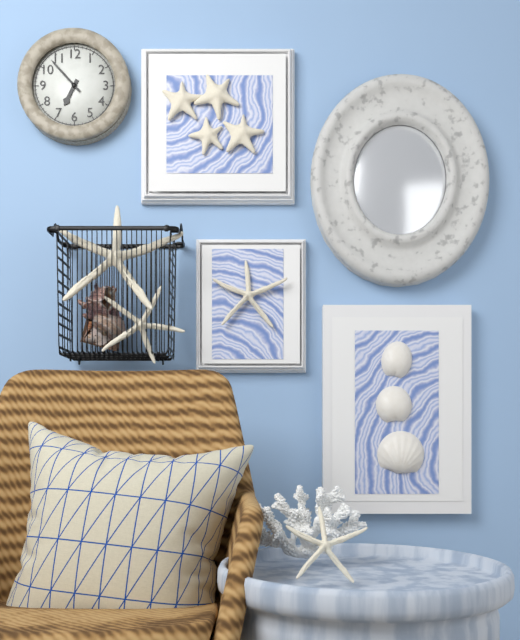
6:53
